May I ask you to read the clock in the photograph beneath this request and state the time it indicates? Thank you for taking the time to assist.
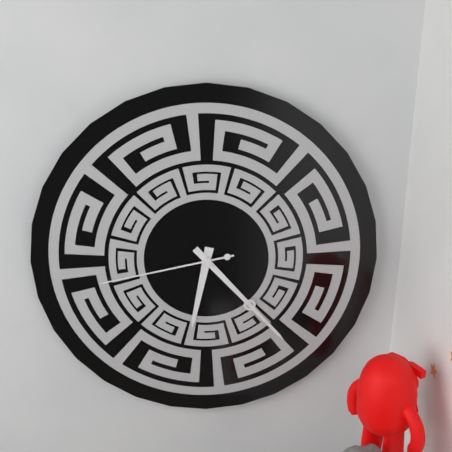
6:23:43
